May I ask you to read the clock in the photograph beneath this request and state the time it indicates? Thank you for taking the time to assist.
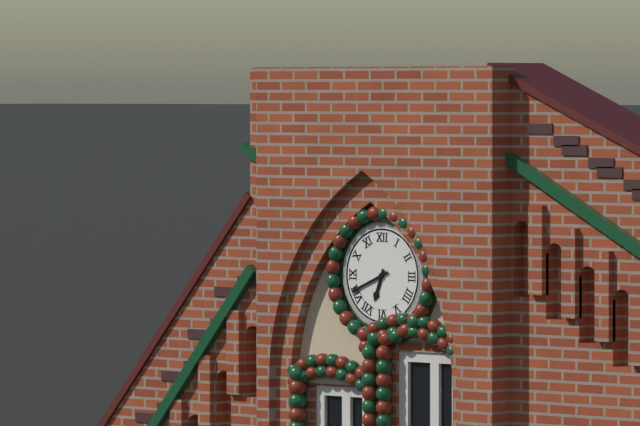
6:41
